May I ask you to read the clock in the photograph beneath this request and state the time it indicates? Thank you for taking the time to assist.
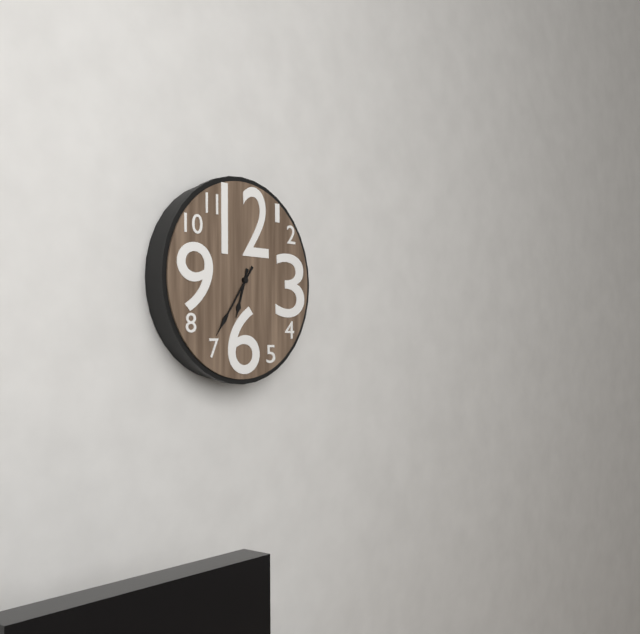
6:36
